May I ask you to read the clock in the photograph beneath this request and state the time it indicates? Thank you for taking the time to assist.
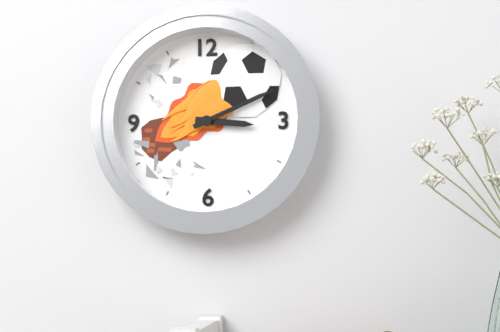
3:11
